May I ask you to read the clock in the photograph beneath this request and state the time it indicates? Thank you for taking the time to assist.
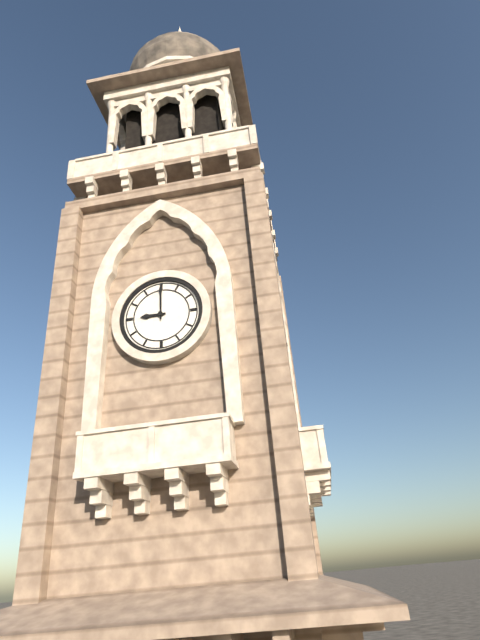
9:00
